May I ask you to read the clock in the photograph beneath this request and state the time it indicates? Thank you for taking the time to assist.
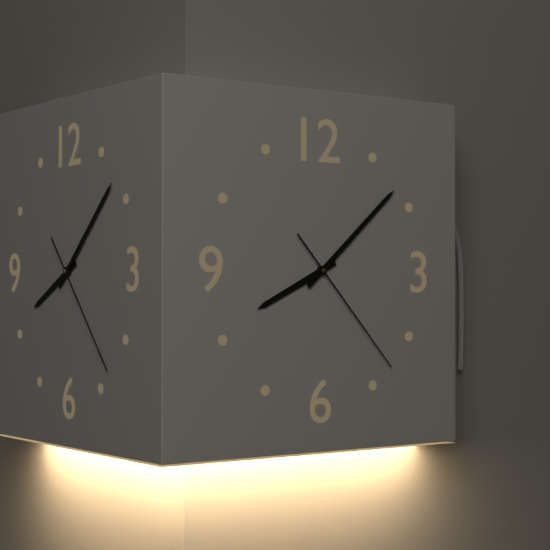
8:08:23
